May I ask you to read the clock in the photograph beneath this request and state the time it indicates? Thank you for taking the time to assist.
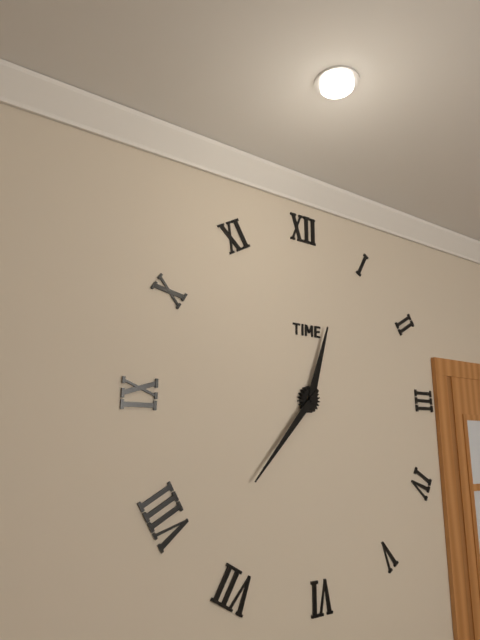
12:37
